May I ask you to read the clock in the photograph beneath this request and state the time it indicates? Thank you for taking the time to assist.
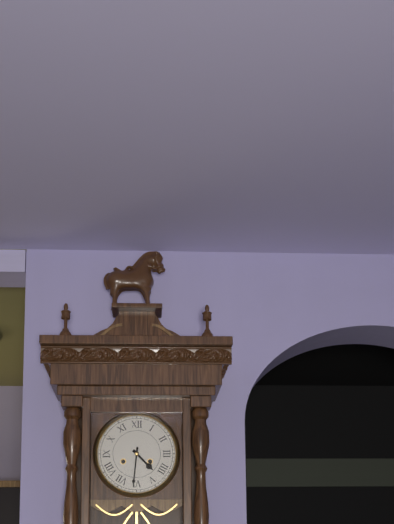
4:31
